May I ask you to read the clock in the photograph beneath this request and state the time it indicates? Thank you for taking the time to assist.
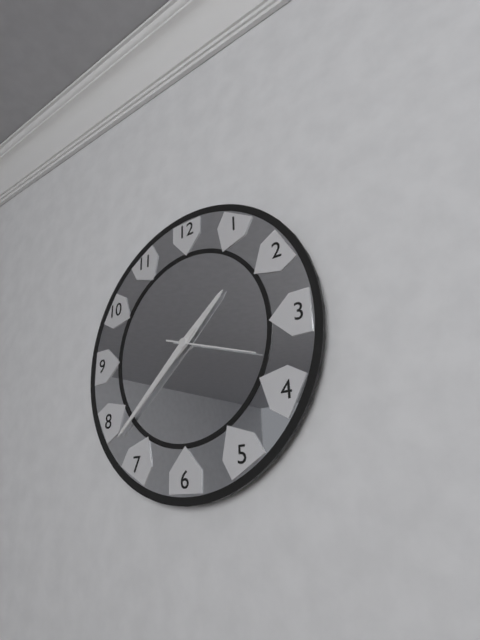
1:38:18
